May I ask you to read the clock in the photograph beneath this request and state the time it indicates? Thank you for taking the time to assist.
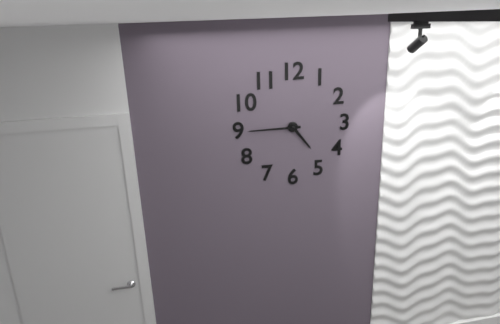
4:45
